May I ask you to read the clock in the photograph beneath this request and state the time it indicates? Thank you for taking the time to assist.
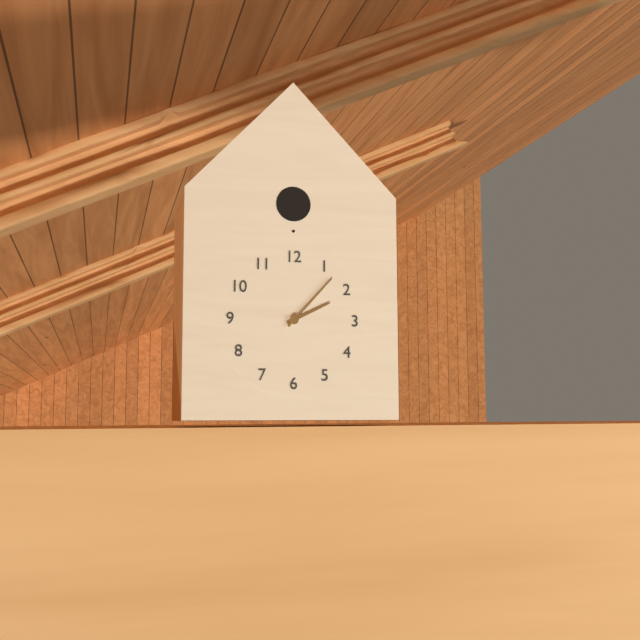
2:07
